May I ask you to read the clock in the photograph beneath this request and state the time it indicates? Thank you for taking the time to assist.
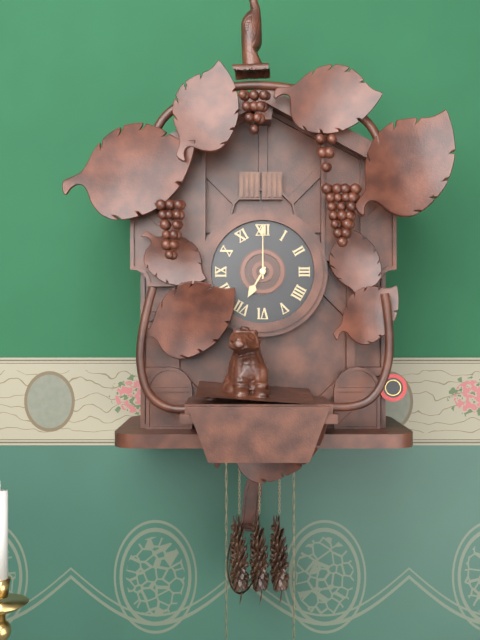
7:00
